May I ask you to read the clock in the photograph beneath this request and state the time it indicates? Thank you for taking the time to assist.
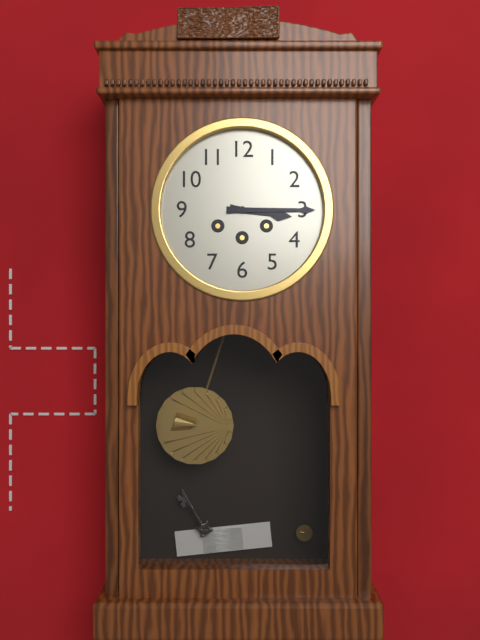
3:15
